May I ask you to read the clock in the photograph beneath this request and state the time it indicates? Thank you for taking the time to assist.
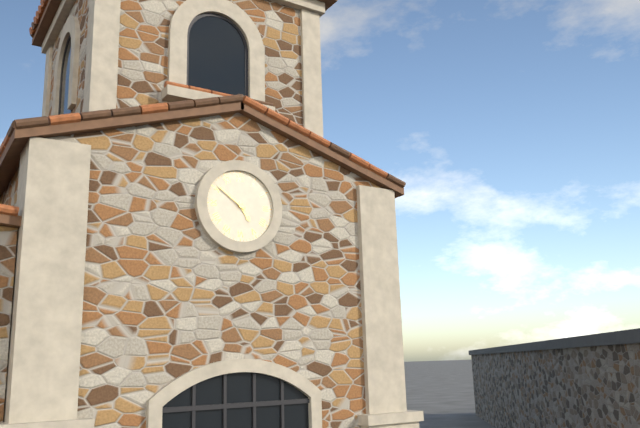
4:51
